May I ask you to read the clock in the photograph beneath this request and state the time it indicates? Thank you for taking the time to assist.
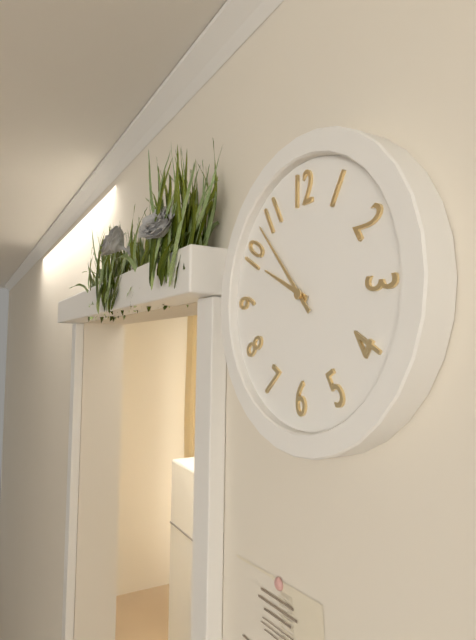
9:53
